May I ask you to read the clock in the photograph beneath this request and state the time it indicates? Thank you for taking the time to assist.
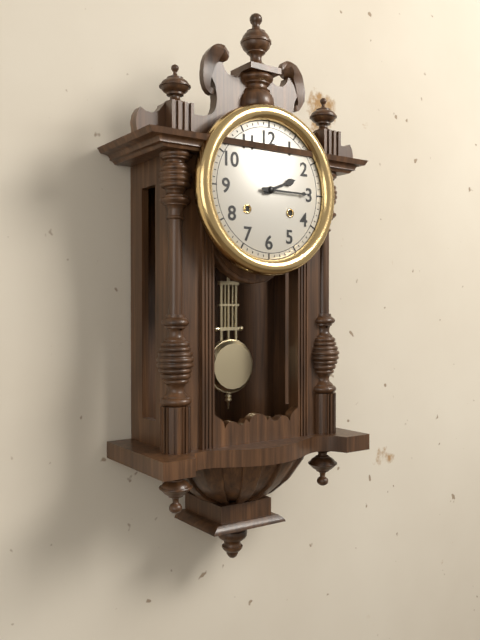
2:15
